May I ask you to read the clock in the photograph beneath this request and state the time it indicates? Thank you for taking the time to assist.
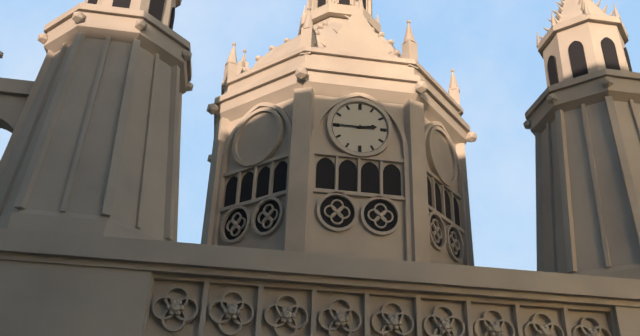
2:45
